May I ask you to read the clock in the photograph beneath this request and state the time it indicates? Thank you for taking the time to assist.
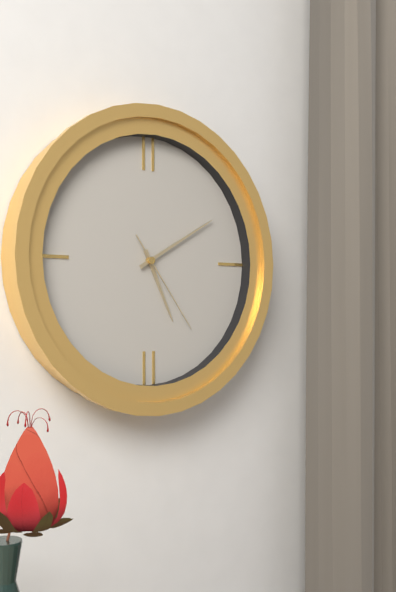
5:10:24
